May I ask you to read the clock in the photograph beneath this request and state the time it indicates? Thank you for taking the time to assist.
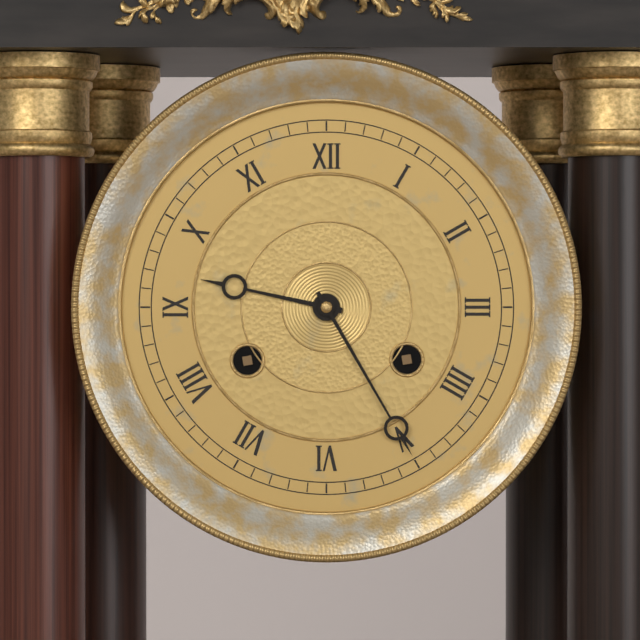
9:25
